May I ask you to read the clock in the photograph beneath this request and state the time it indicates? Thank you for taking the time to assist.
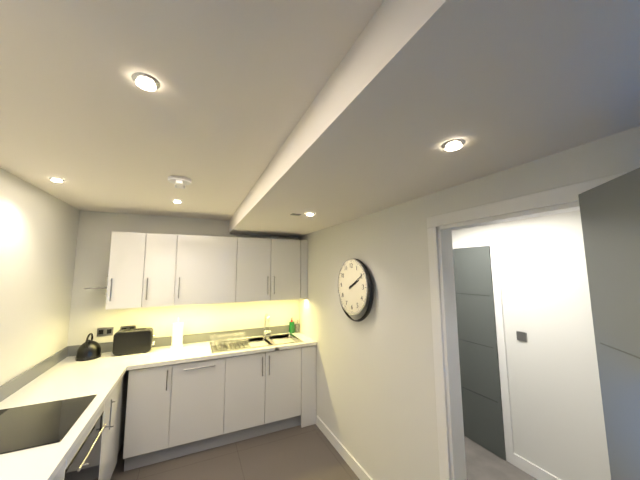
2:10
